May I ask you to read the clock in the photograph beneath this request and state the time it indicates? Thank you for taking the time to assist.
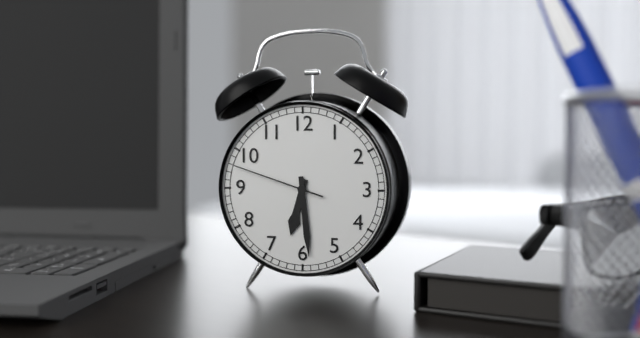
6:29:48
